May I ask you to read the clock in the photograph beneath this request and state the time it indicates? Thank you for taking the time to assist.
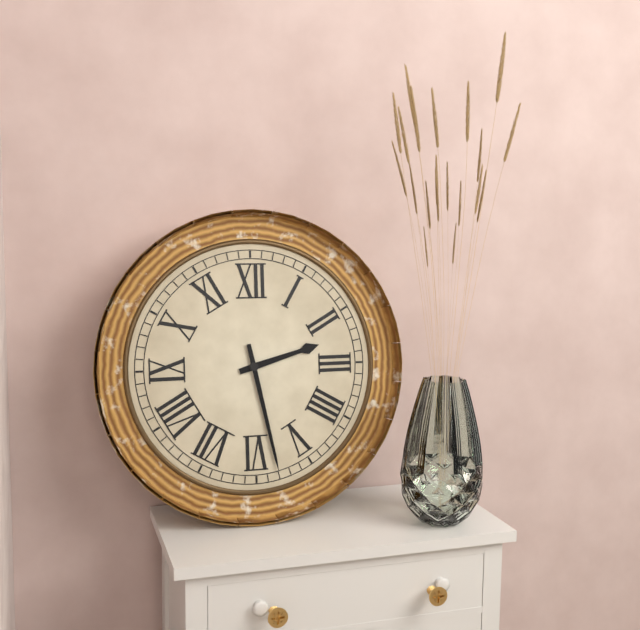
2:28
